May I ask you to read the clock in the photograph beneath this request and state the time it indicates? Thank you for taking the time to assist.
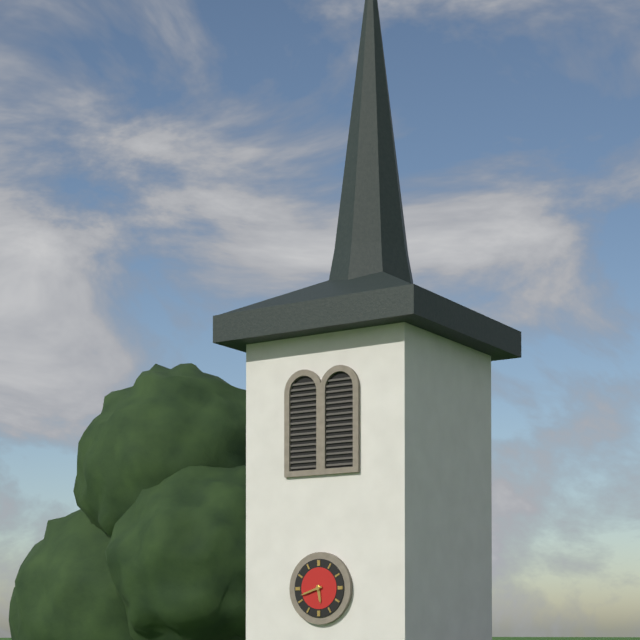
5:42
